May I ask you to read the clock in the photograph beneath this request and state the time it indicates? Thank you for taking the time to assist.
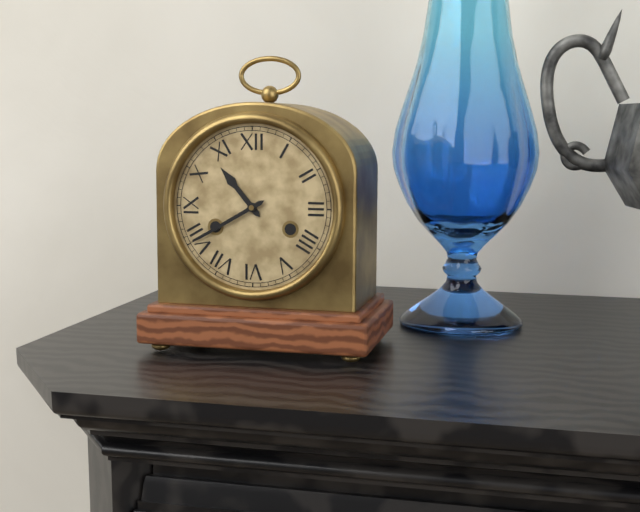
10:40
